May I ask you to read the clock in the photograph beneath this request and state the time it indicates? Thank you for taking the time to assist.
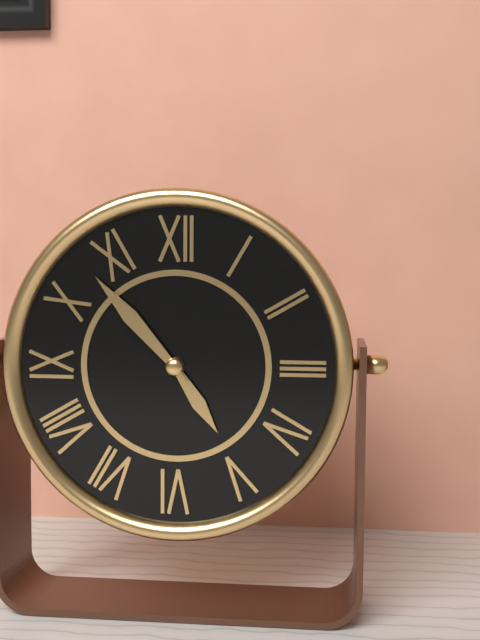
4:53
